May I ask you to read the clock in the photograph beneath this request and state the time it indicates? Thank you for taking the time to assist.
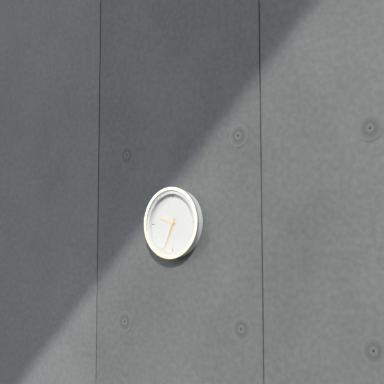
9:34
